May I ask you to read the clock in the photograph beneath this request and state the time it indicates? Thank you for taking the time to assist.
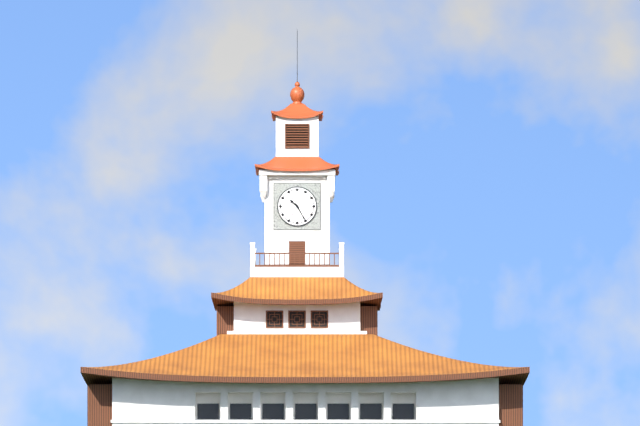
10:25
